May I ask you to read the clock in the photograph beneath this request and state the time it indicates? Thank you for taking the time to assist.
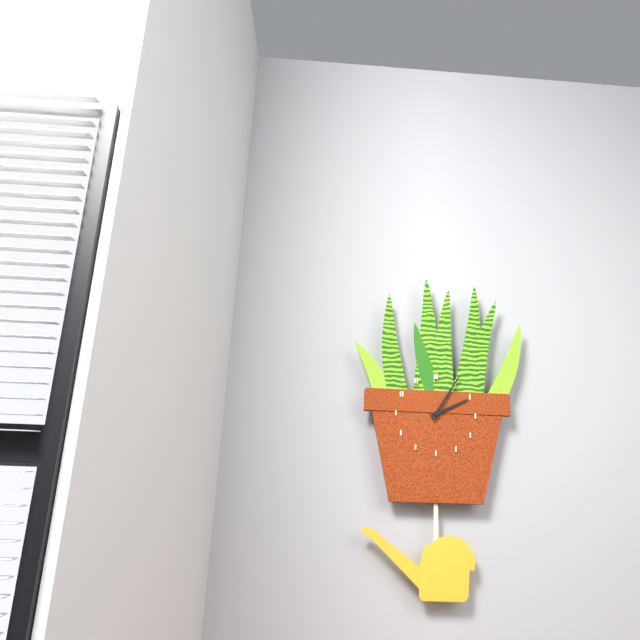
2:05
